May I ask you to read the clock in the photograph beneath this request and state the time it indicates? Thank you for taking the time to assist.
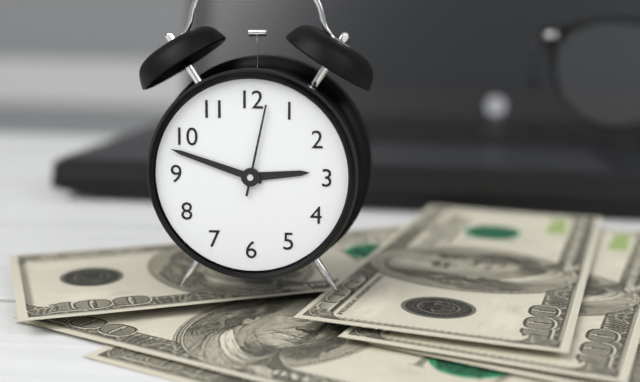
2:48:02
